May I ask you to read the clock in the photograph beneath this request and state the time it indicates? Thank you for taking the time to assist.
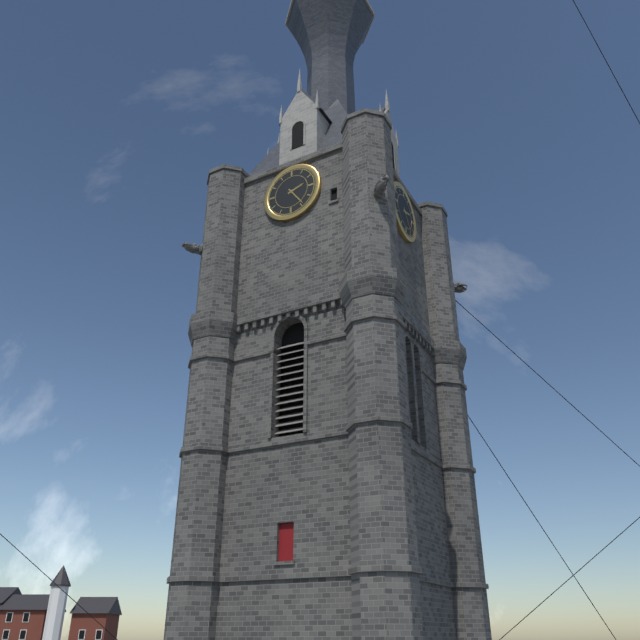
2:24
